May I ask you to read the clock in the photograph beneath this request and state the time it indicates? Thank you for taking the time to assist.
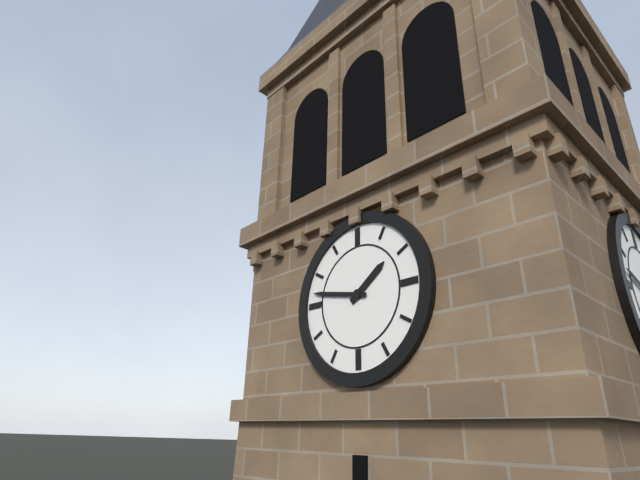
1:47
